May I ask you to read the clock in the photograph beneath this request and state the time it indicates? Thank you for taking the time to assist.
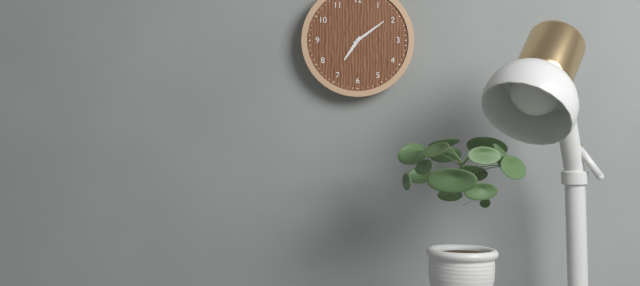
7:09
